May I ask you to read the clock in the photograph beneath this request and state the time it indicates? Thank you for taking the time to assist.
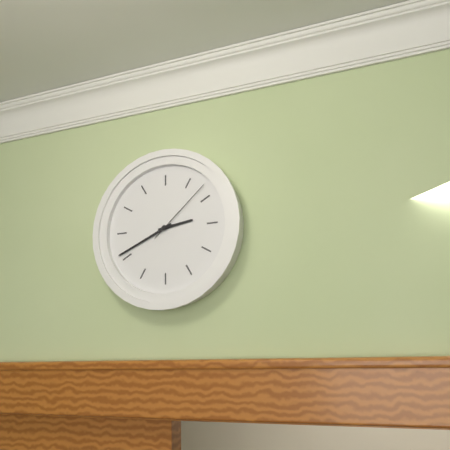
2:41:08
